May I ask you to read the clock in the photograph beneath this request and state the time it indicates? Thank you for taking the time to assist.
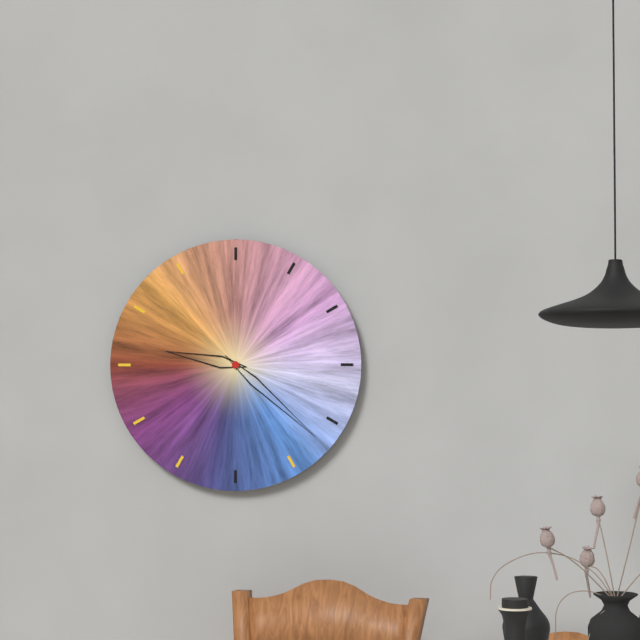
9:22
